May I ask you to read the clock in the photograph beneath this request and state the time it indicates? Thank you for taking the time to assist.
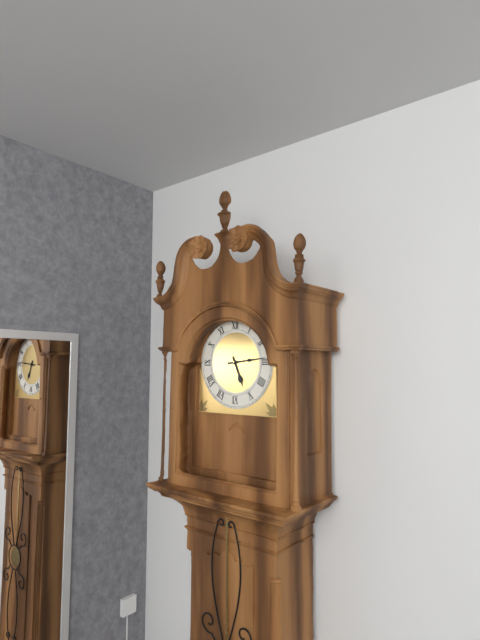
5:14
